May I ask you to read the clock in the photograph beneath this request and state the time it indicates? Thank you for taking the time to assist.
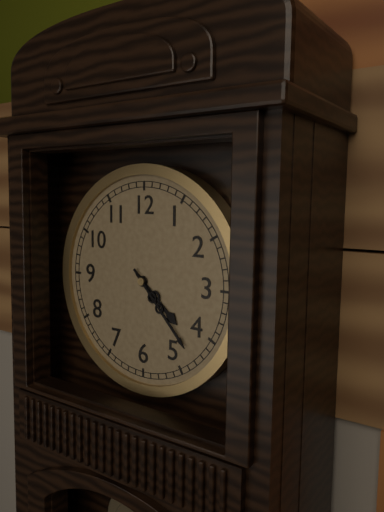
4:23
